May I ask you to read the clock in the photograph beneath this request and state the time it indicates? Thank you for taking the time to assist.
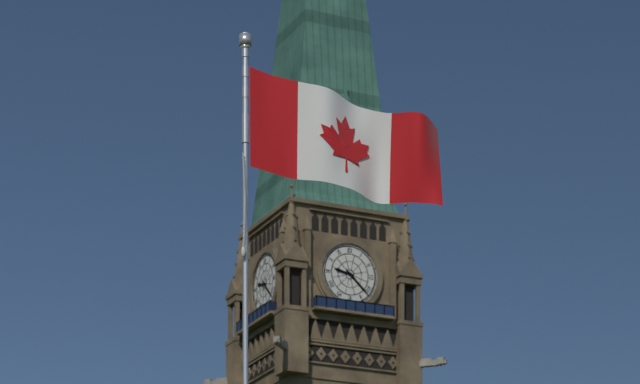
9:22
